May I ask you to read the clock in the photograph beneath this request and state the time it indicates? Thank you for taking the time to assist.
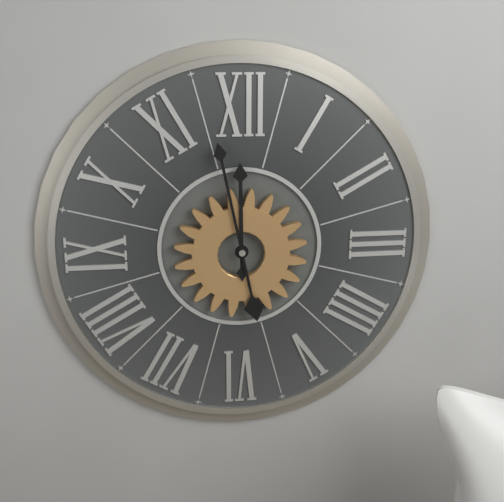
11:58
